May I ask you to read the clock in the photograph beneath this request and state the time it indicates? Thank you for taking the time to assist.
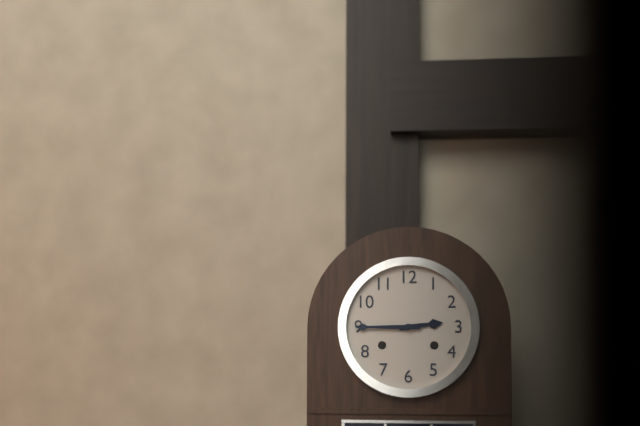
2:45
